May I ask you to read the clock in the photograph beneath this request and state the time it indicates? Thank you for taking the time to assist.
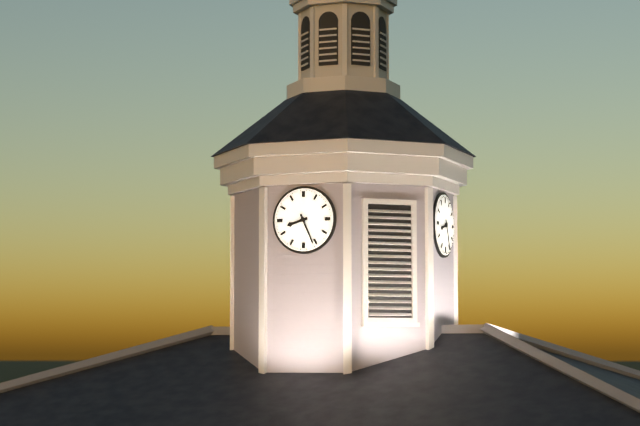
8:26
